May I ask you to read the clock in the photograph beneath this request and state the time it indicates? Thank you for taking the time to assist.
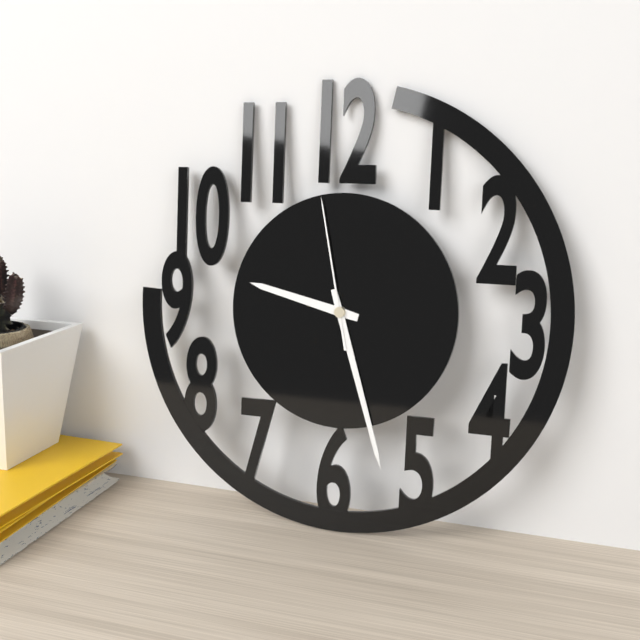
9:27:58
